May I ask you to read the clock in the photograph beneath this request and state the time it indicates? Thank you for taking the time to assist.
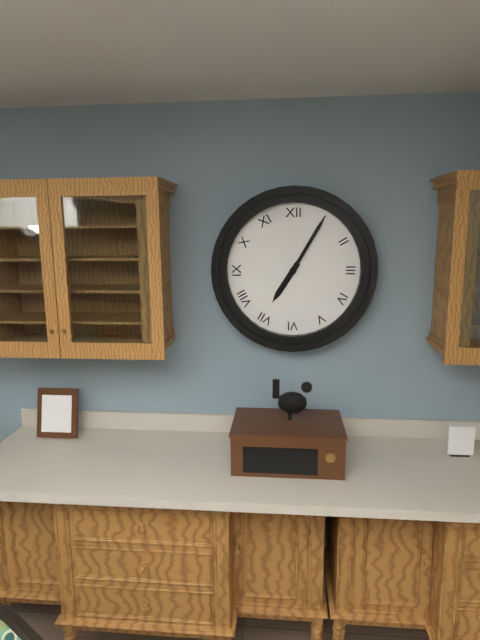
7:05
